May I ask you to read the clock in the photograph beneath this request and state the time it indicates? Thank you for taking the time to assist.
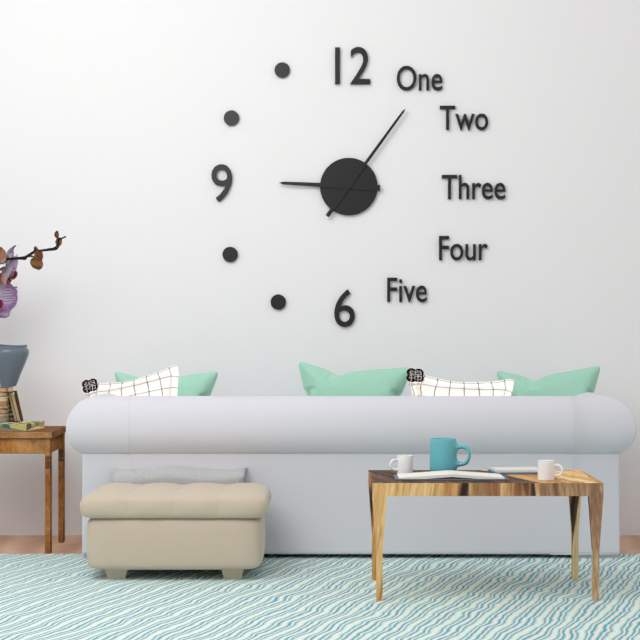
9:06
